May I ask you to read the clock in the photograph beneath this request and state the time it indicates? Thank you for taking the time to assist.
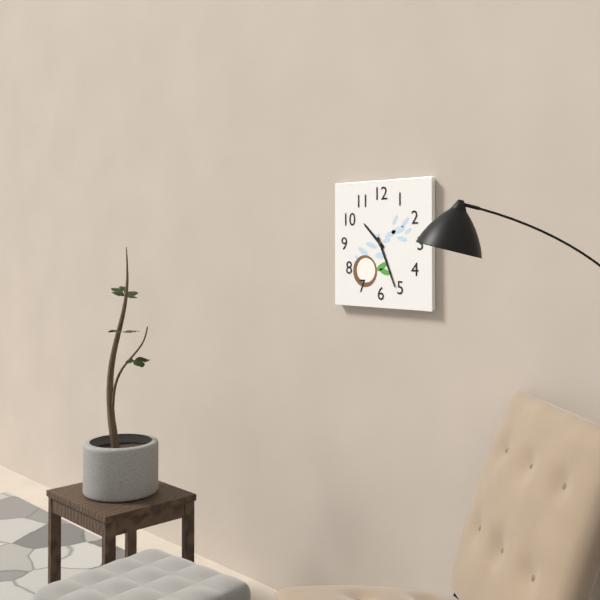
10:26
